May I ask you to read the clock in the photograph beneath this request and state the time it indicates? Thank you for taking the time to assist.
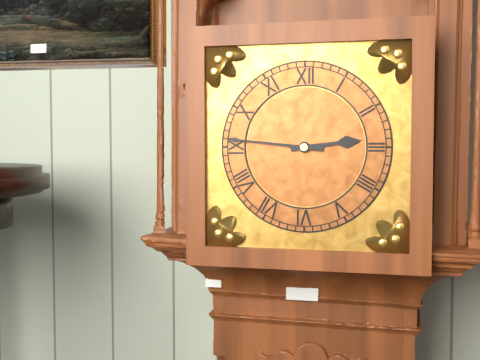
2:46
